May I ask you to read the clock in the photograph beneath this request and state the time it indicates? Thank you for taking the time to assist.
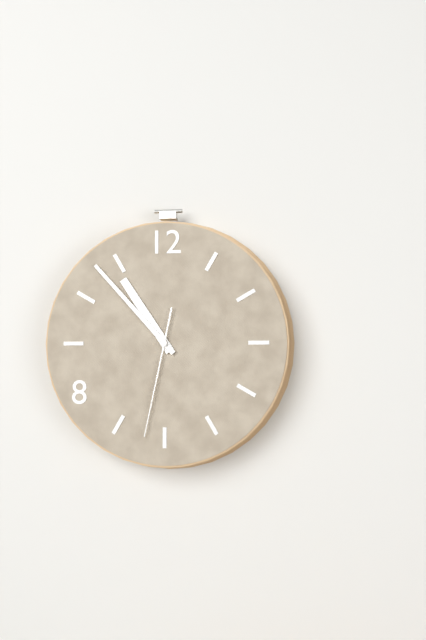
10:53:32
